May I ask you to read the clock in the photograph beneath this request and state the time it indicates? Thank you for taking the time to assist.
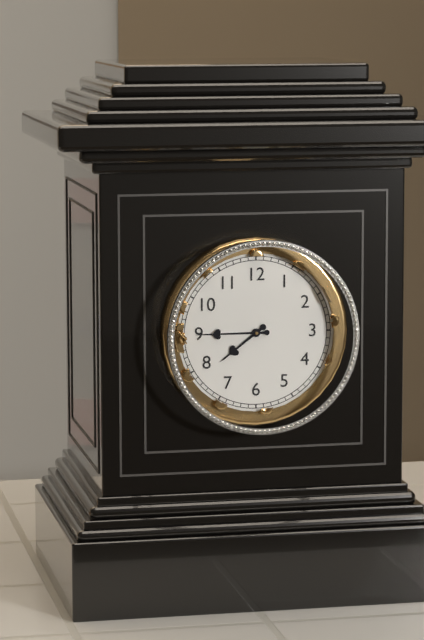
7:45
